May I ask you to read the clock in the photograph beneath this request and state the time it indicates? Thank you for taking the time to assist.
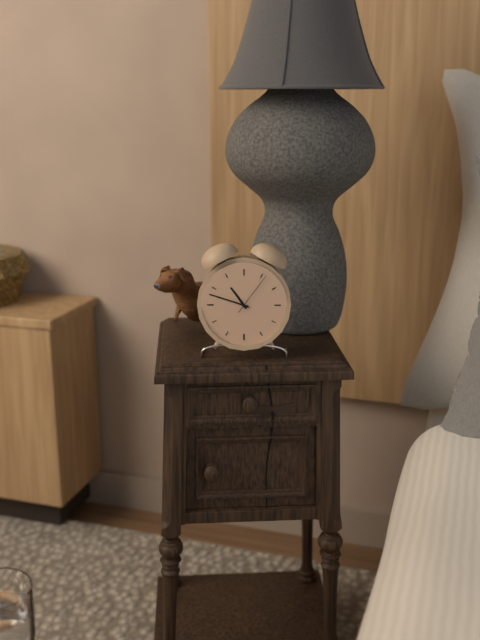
10:48
